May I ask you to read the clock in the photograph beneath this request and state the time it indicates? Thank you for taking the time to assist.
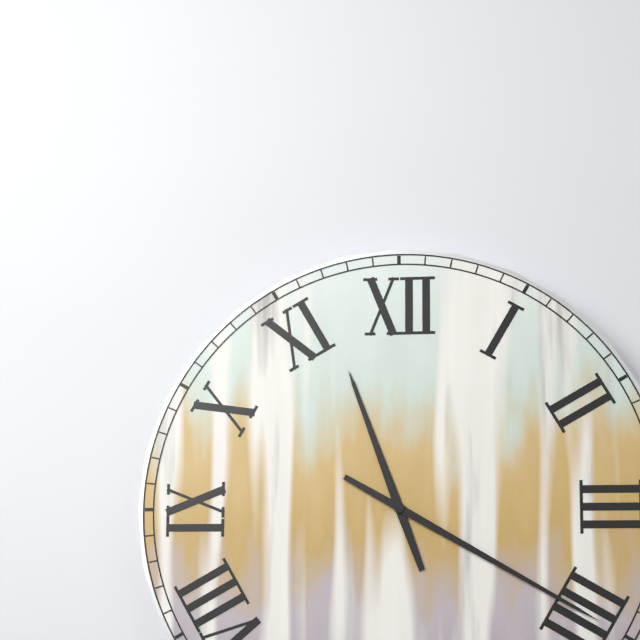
11:20
